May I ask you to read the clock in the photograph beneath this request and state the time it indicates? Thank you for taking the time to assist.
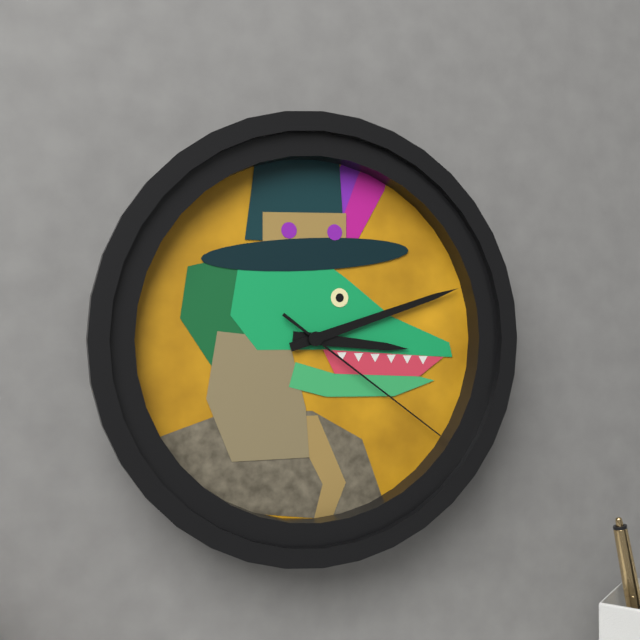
3:12:21
